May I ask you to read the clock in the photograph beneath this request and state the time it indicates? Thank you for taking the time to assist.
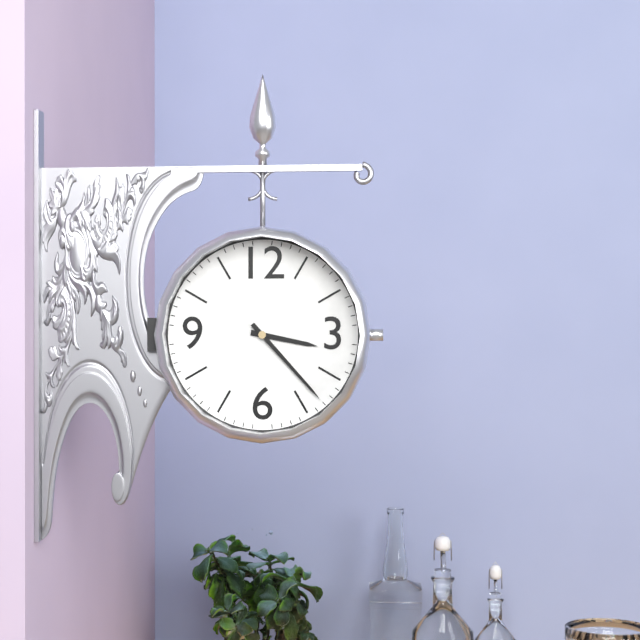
3:23
